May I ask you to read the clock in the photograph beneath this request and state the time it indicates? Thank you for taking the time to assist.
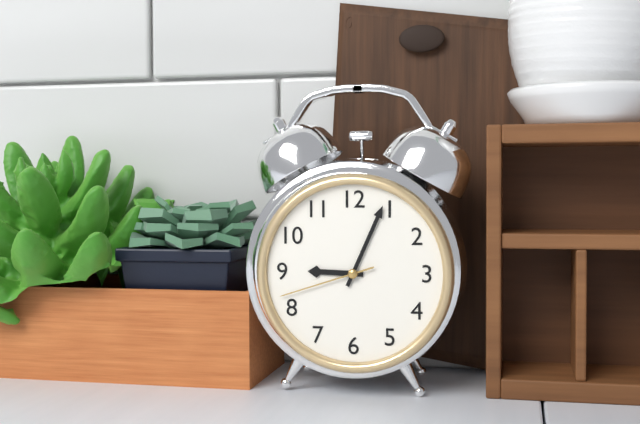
9:04:42
